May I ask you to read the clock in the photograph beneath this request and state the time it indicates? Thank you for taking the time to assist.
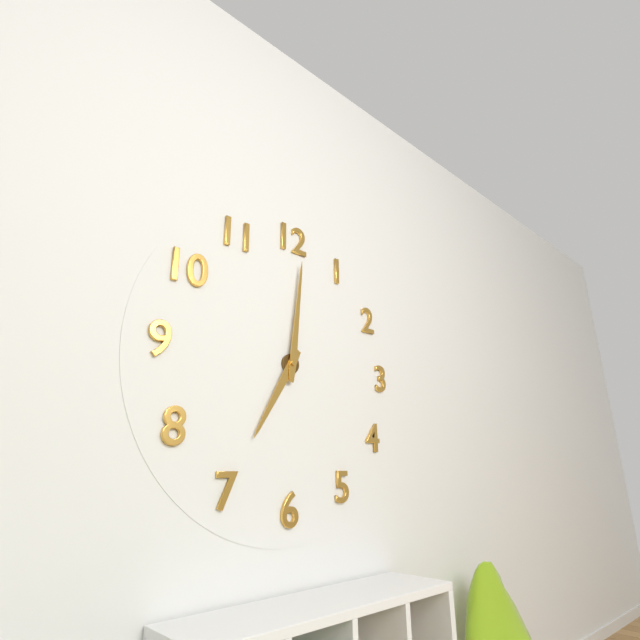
7:01
